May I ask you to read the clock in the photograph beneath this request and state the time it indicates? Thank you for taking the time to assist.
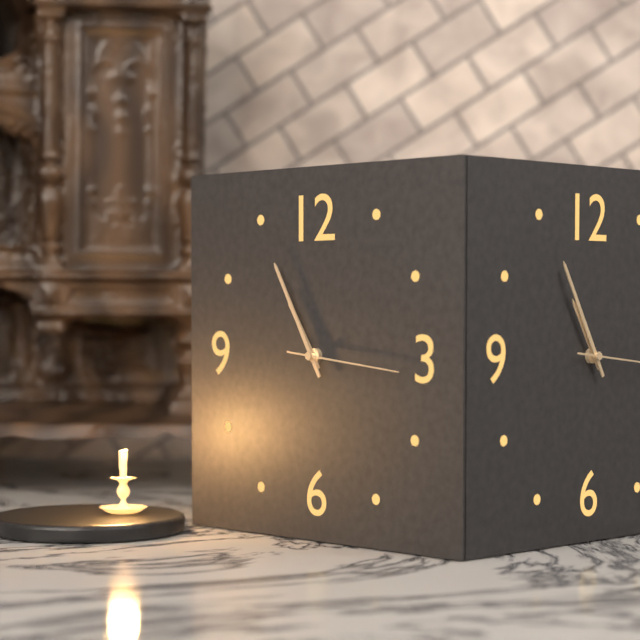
10:55:16
